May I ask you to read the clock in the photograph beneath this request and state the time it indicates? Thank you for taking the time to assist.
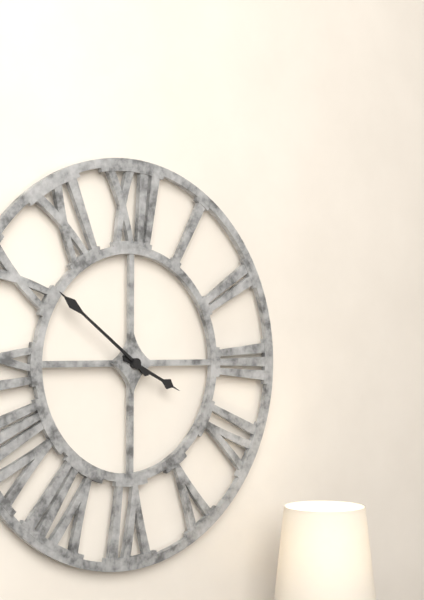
3:51
